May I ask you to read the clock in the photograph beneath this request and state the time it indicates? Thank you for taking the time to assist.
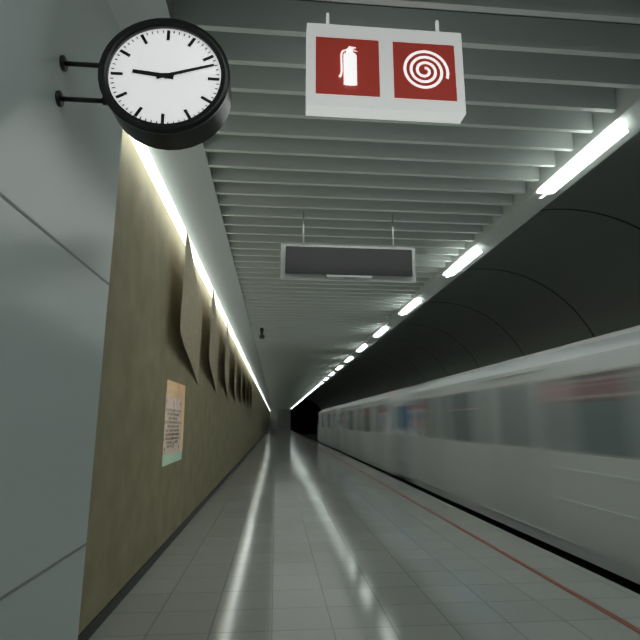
9:12
